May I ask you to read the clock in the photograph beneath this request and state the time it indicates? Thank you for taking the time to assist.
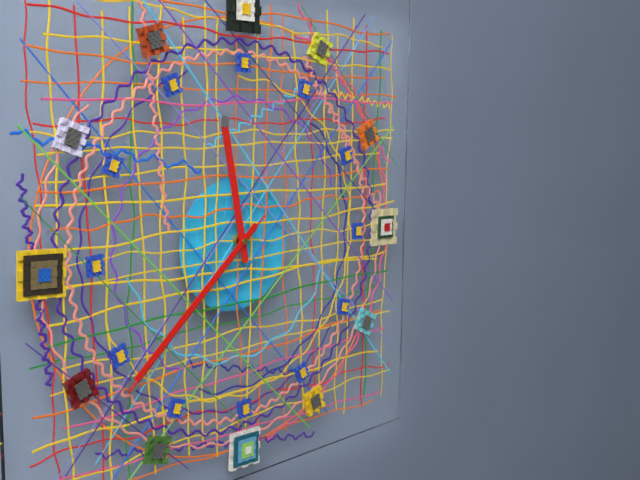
11:38:38
